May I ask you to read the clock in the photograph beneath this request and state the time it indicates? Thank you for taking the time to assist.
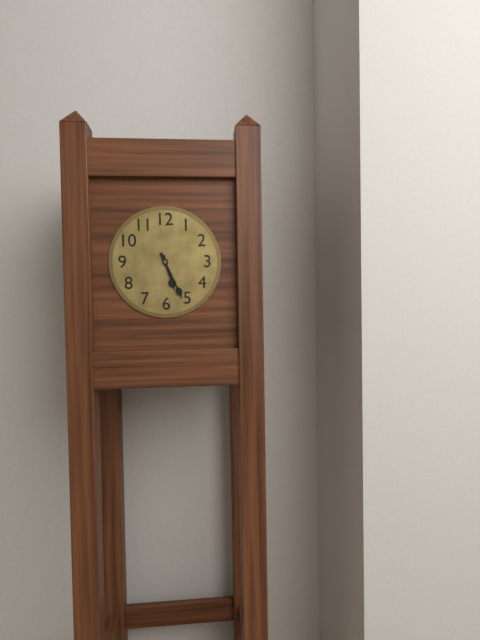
5:26
